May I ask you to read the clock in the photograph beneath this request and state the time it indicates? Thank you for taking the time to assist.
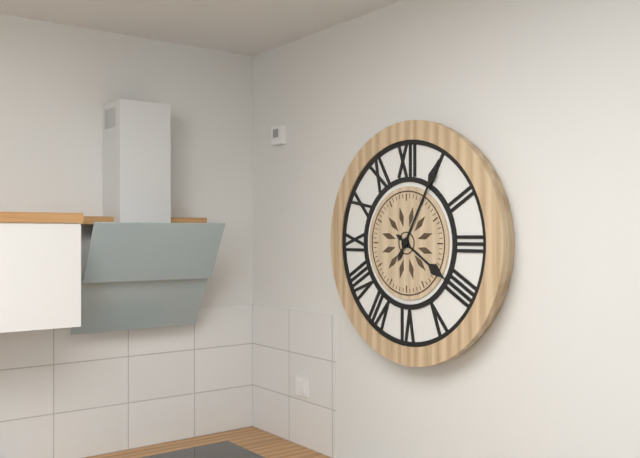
4:05
